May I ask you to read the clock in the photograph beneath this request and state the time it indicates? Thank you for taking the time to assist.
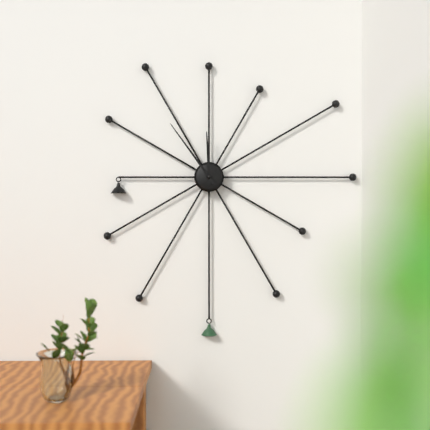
11:54
